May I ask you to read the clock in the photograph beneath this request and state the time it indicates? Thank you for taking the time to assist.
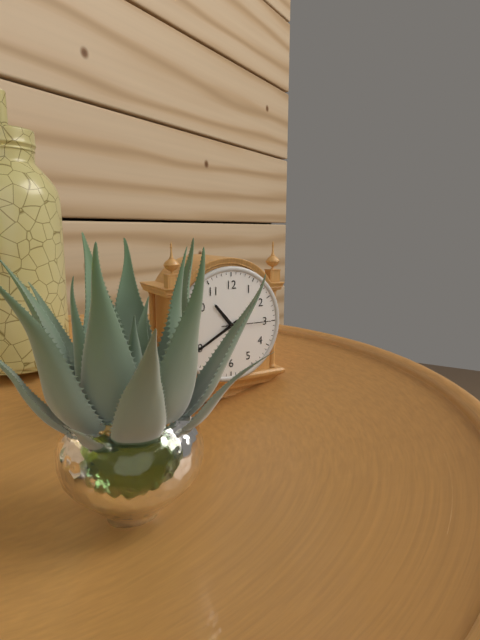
10:40:15
